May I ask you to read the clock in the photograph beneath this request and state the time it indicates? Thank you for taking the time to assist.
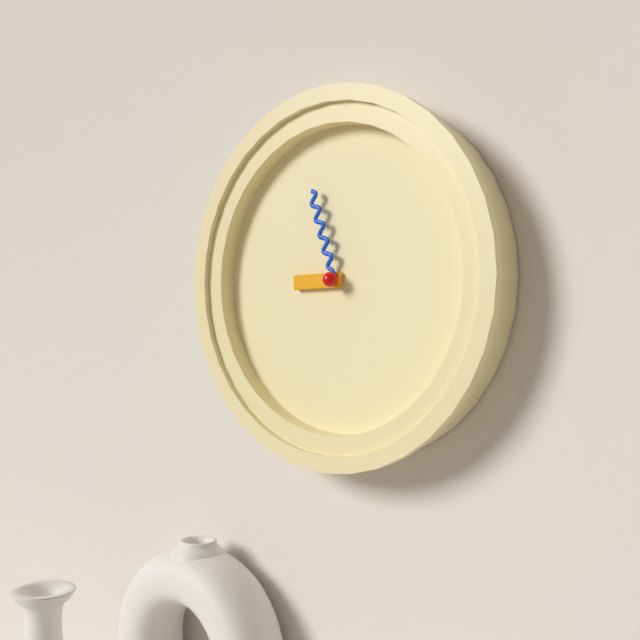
8:57
